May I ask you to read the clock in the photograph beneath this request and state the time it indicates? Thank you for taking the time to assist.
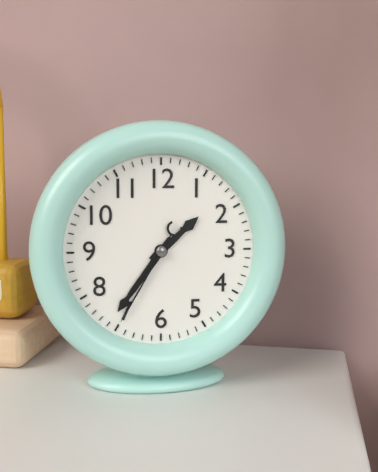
1:36:35
